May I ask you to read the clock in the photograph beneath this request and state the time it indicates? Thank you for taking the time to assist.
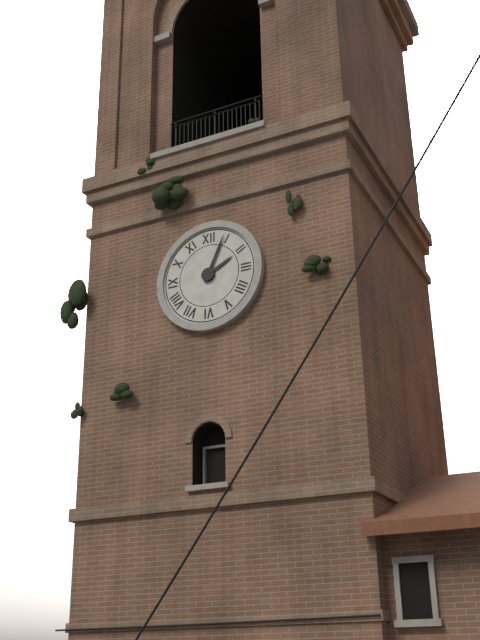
2:04
